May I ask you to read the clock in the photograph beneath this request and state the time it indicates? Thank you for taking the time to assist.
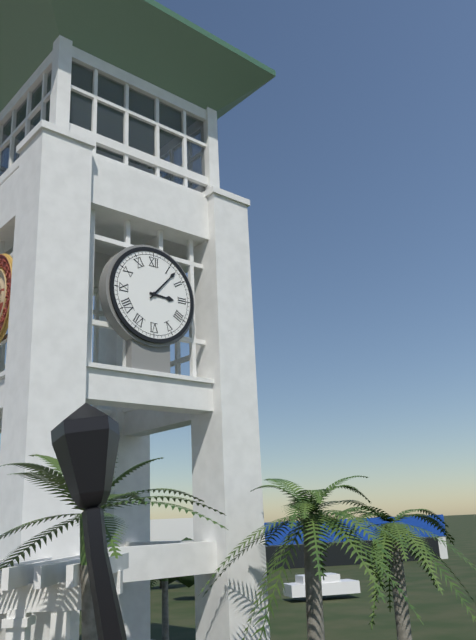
3:07
